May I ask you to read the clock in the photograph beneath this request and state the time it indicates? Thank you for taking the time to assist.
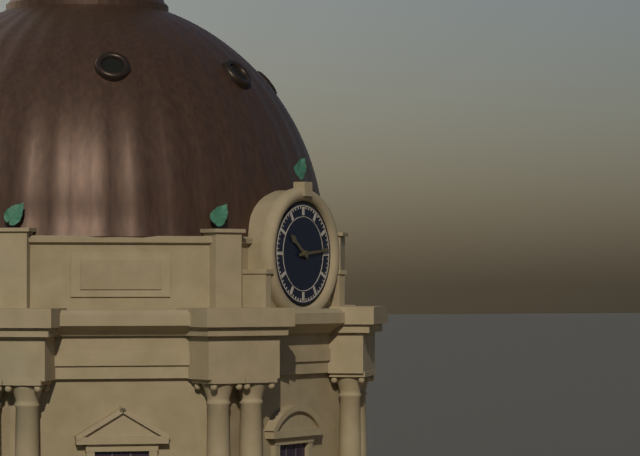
10:14
